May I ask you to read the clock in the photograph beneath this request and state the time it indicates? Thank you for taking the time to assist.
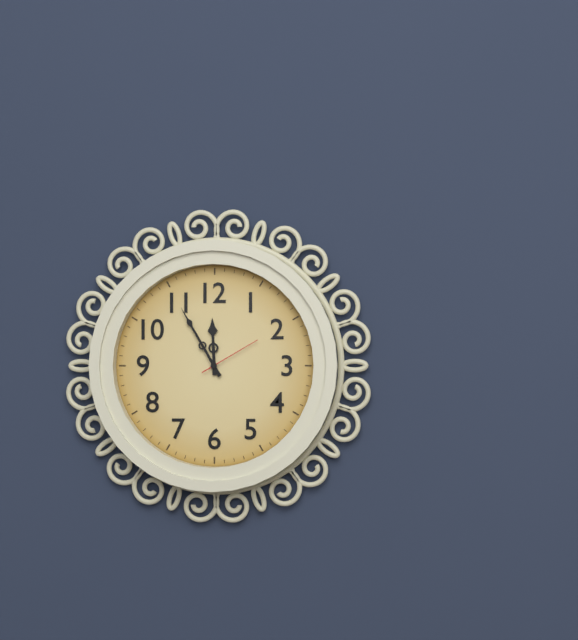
11:55:10
